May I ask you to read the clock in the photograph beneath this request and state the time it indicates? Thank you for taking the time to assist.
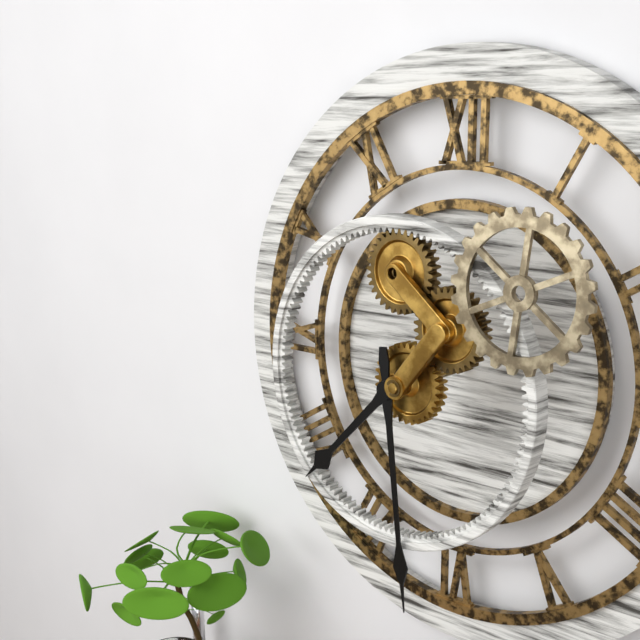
7:29
